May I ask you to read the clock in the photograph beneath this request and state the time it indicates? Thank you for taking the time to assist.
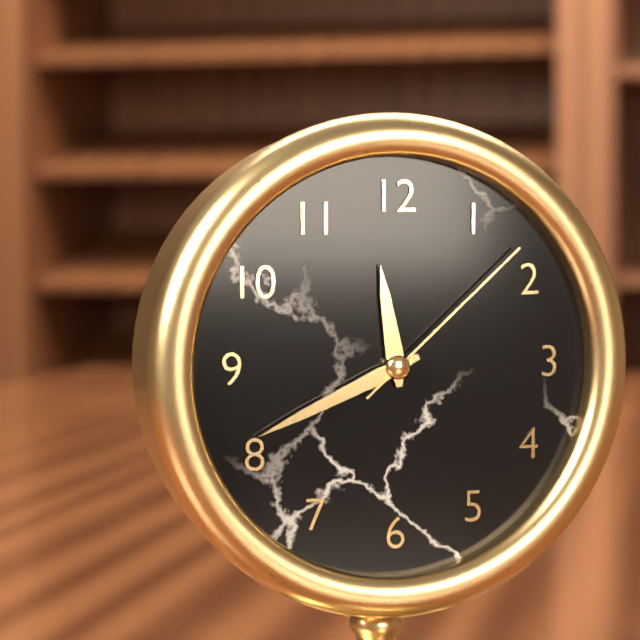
11:41:08
